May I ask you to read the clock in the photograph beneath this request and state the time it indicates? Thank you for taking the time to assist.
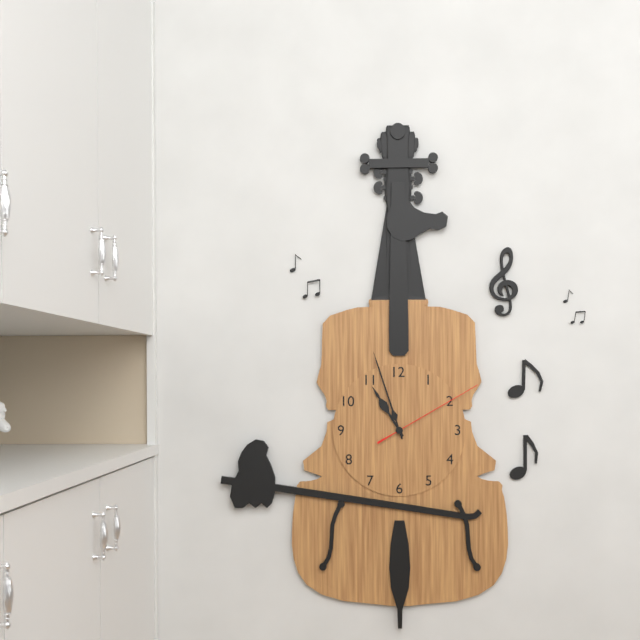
10:57:10
